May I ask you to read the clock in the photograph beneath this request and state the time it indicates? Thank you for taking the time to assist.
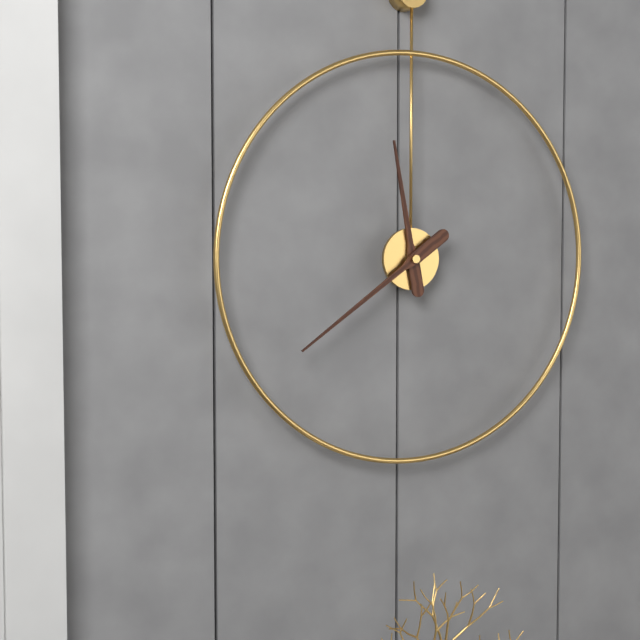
11:39
